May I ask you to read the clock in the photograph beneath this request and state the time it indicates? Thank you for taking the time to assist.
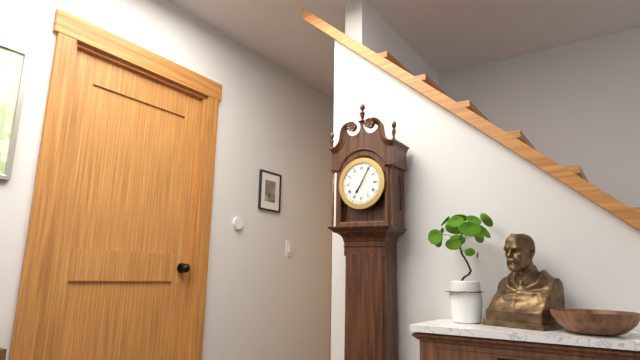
7:05
